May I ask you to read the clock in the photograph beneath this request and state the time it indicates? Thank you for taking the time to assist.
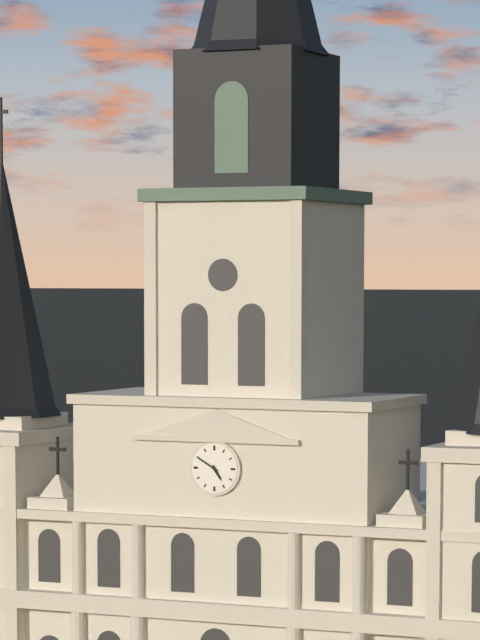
4:50
